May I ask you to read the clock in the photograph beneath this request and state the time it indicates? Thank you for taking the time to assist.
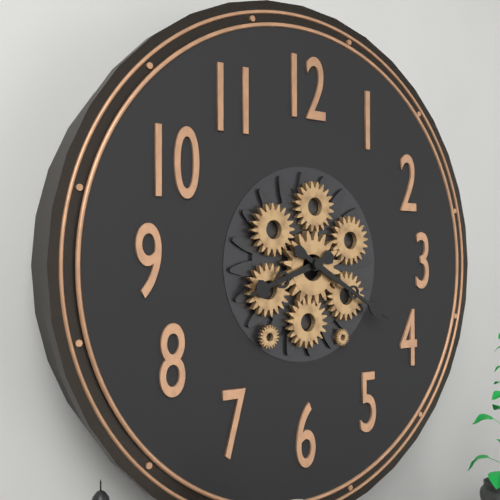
8:20
